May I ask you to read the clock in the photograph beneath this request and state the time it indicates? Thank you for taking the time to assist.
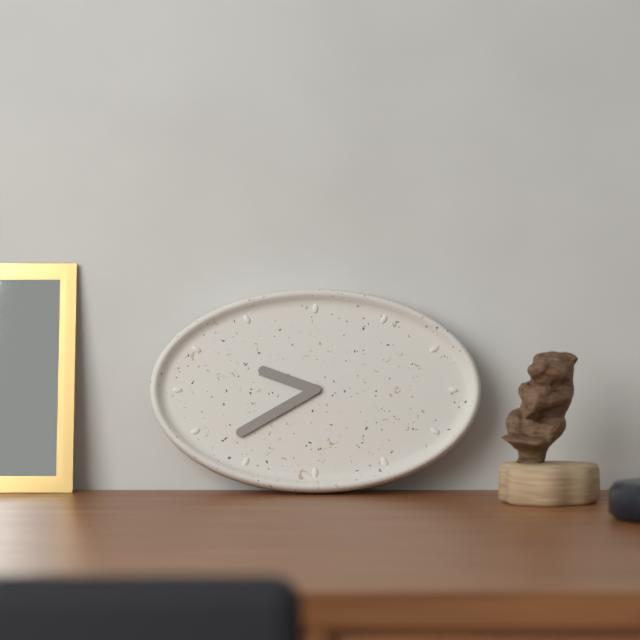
9:40
